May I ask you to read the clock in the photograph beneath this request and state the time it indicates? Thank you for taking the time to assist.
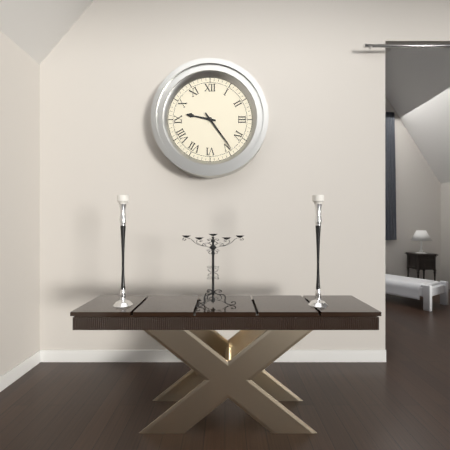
9:24
